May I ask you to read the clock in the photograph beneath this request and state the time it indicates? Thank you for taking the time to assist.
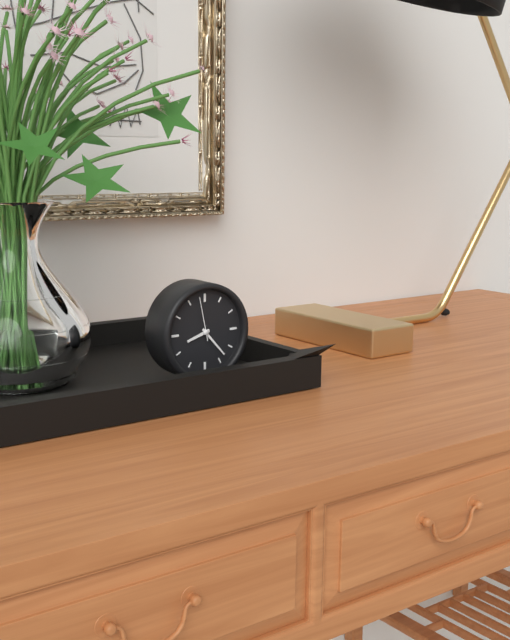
8:23
